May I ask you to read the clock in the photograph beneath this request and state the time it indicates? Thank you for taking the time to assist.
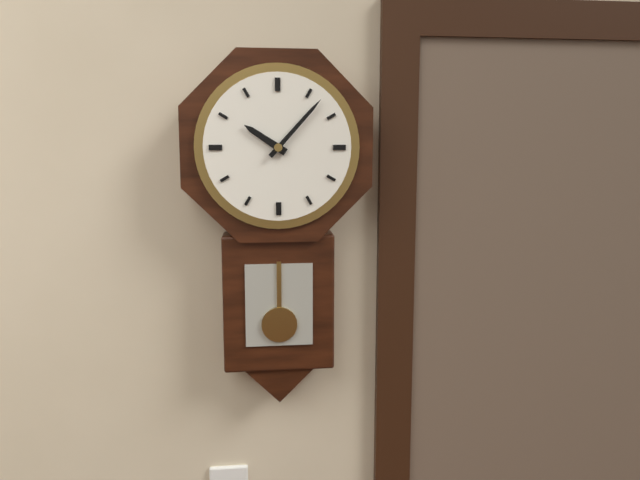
10:07
